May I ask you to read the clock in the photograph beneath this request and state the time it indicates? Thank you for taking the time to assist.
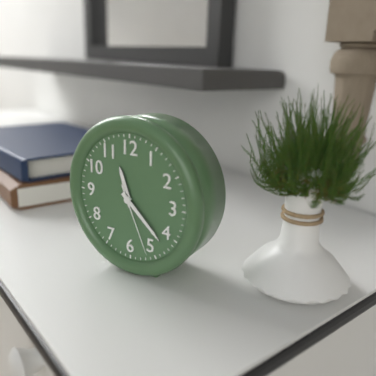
11:22:26
